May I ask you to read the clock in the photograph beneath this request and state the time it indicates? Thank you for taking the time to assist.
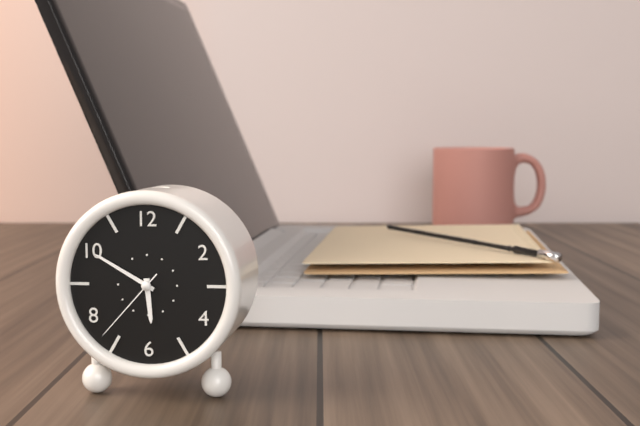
5:50:37
